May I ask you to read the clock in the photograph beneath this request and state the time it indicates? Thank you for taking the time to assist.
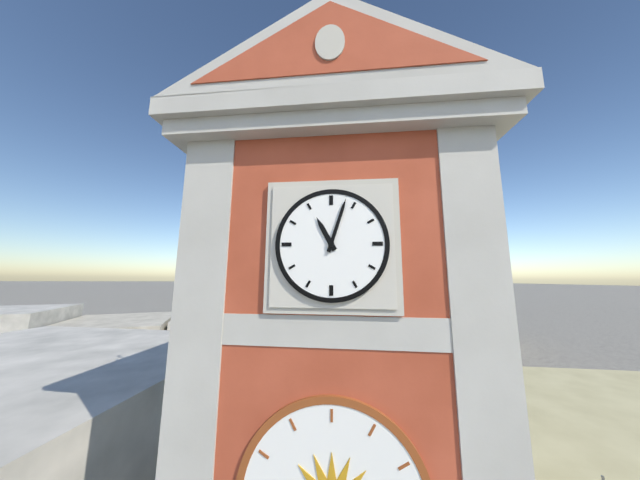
11:03
